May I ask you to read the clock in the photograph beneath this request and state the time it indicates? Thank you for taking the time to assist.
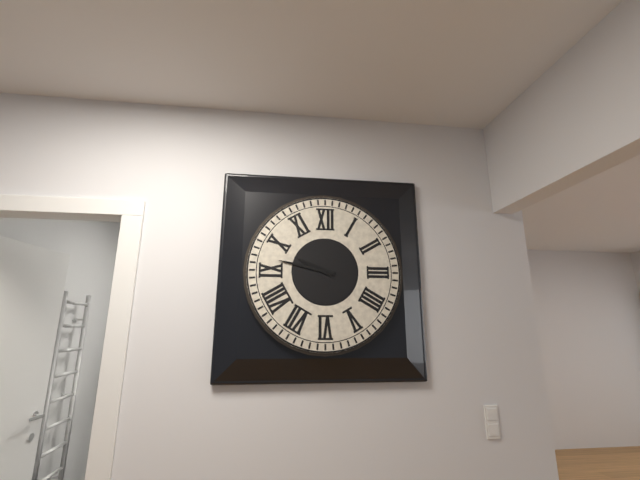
9:47
